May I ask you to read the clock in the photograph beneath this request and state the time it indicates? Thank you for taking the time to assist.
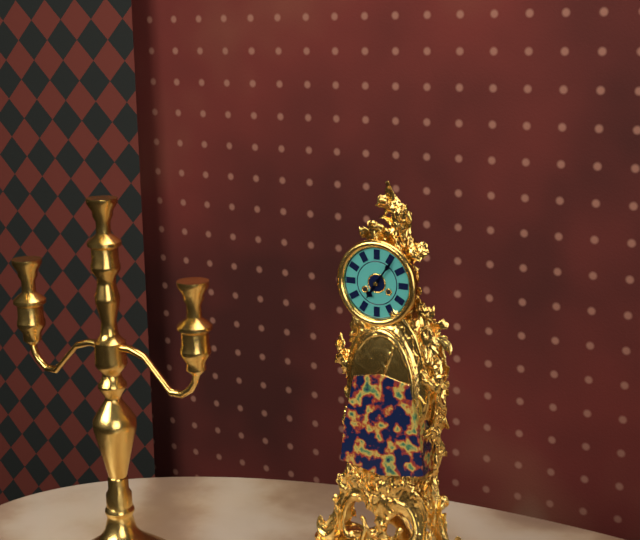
7:06
